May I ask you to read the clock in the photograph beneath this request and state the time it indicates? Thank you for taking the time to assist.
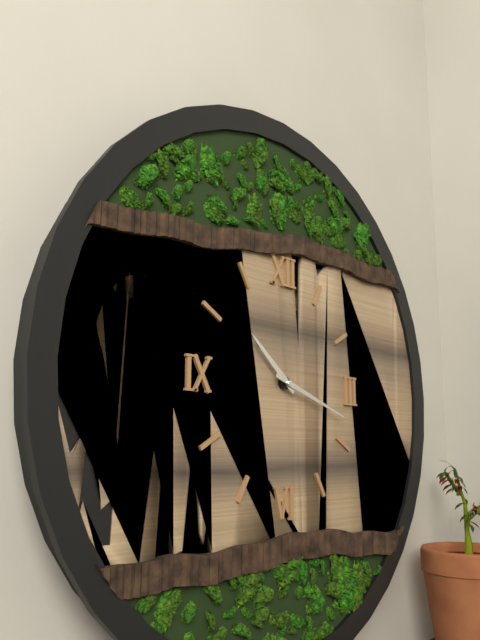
10:18
